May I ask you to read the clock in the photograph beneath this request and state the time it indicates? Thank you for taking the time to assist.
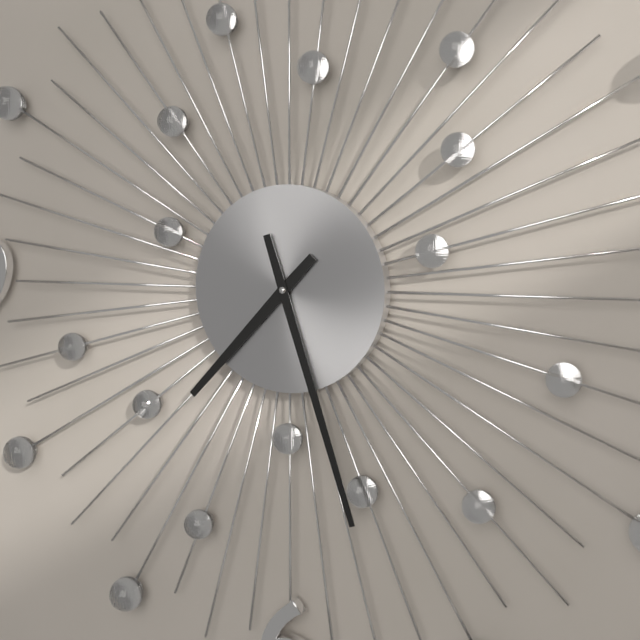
7:27
